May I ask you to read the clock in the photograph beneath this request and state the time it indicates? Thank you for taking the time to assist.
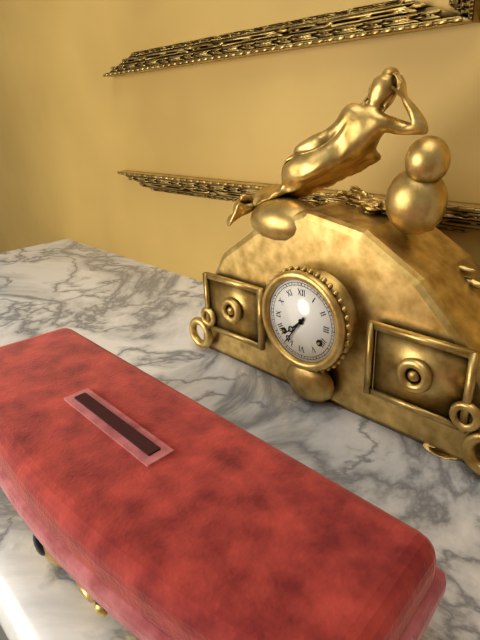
7:36
